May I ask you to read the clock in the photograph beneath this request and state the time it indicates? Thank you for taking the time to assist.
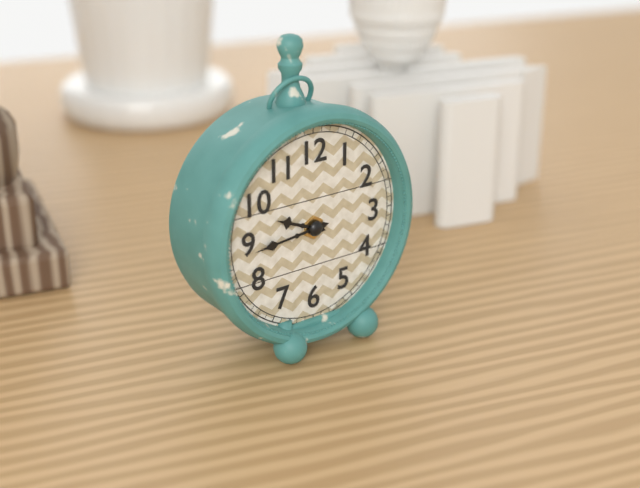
9:44
